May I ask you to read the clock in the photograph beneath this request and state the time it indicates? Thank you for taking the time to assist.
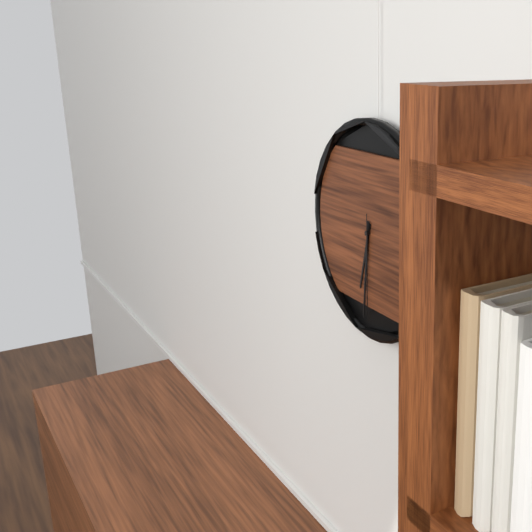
6:31:30
